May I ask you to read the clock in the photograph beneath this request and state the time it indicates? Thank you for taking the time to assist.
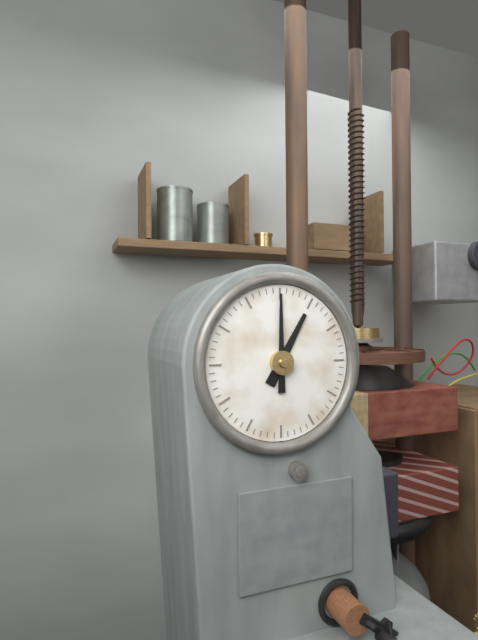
1:00
